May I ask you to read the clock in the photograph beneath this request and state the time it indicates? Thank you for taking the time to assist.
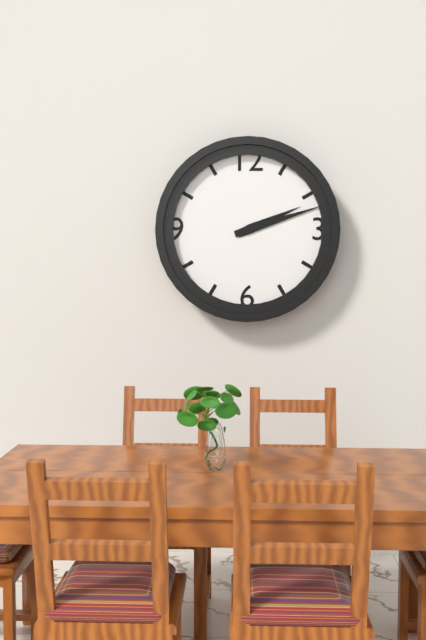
2:12
